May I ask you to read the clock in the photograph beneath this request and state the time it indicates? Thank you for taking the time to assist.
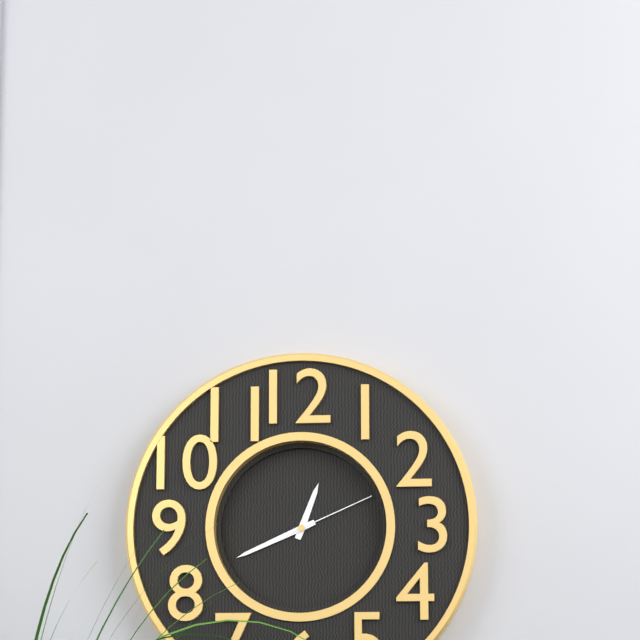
12:41:11
